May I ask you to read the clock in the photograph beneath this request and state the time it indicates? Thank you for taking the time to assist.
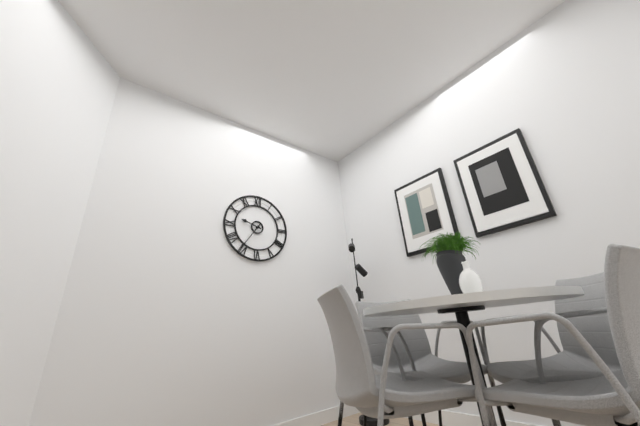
9:36
